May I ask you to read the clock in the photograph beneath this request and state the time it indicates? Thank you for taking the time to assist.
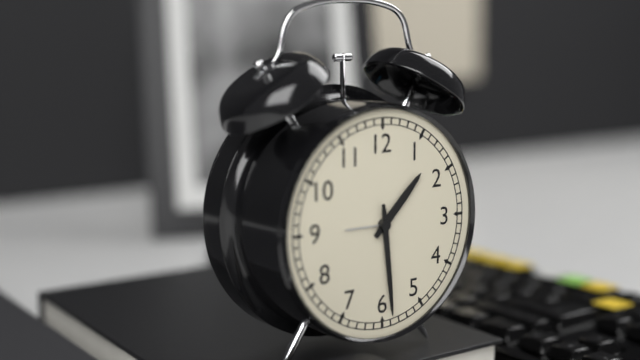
1:29
